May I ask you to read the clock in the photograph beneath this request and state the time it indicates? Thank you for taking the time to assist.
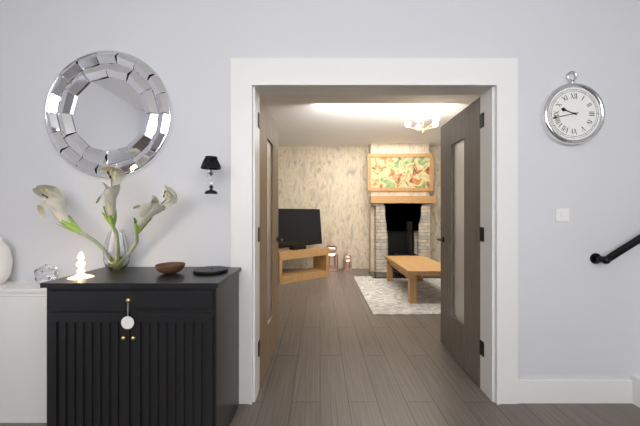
9:43
